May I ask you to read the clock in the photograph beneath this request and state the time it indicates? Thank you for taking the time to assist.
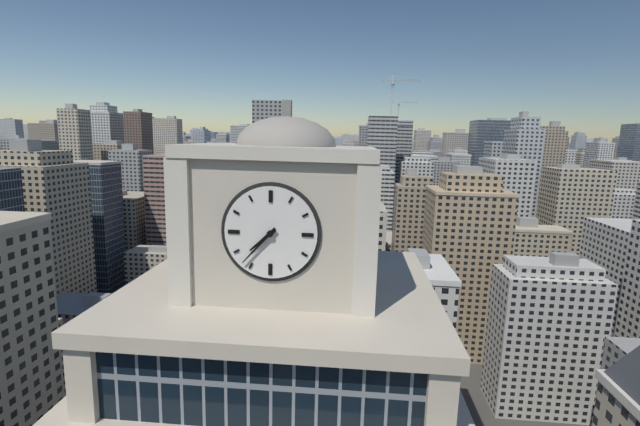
7:37
